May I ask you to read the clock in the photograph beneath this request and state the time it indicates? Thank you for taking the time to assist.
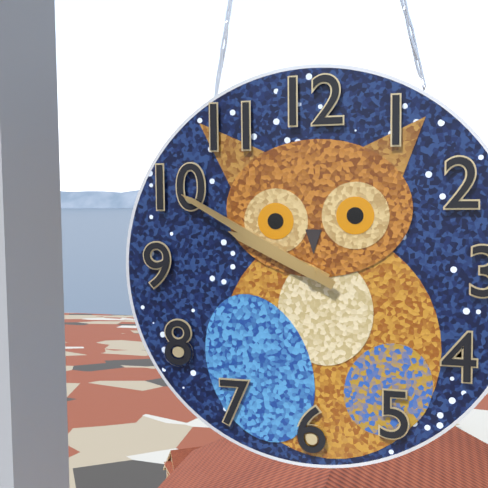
9:50
